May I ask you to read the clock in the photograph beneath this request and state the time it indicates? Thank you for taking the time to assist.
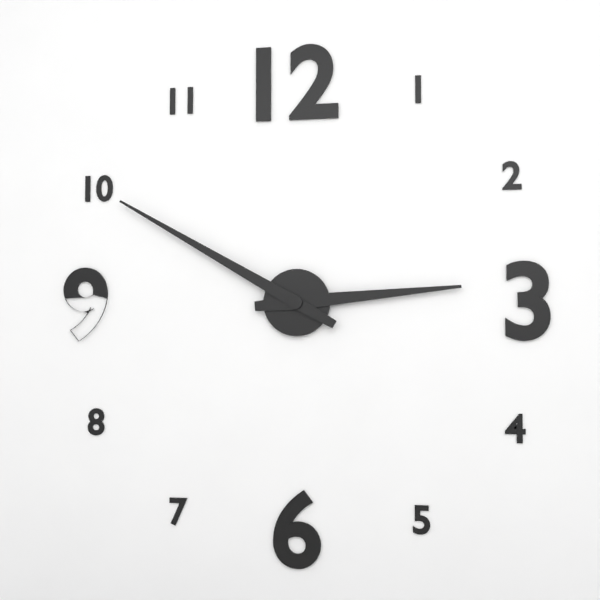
2:50
